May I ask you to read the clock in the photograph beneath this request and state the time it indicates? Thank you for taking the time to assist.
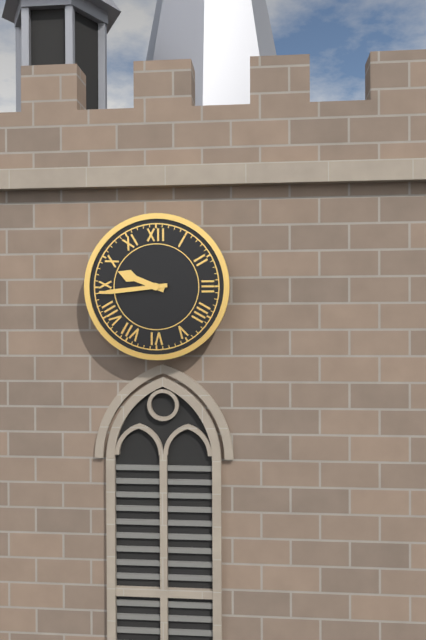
9:44
